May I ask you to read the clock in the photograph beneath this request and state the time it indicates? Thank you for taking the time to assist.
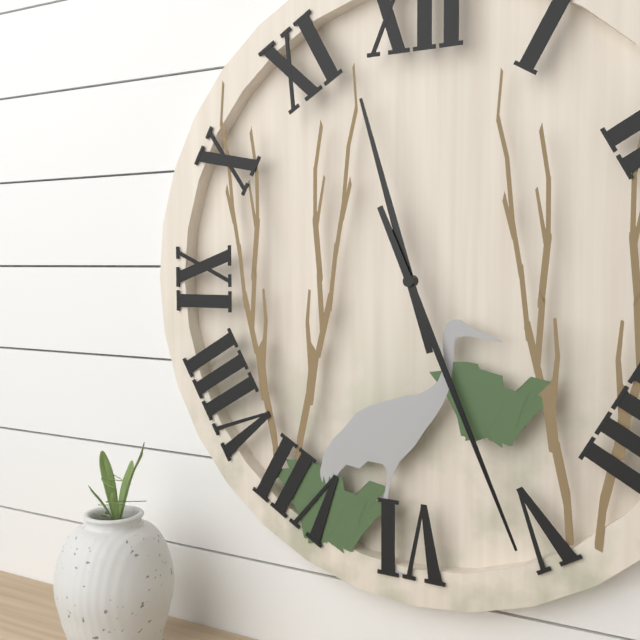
11:26
